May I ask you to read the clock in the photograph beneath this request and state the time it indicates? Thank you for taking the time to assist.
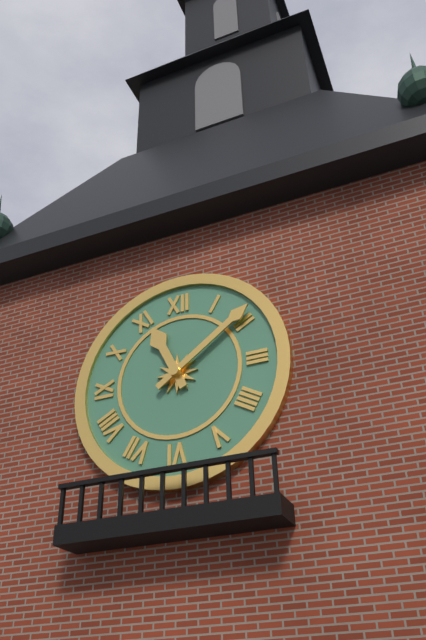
11:09
